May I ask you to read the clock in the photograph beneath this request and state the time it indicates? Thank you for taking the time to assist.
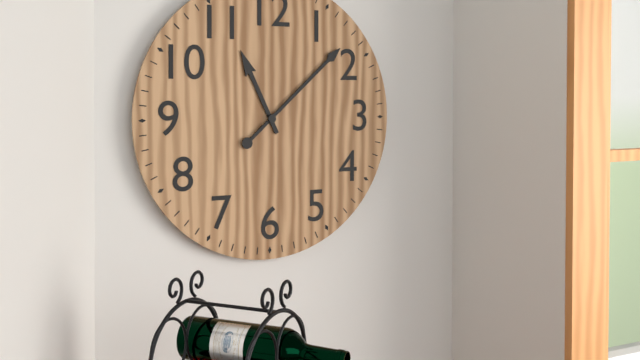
11:08
